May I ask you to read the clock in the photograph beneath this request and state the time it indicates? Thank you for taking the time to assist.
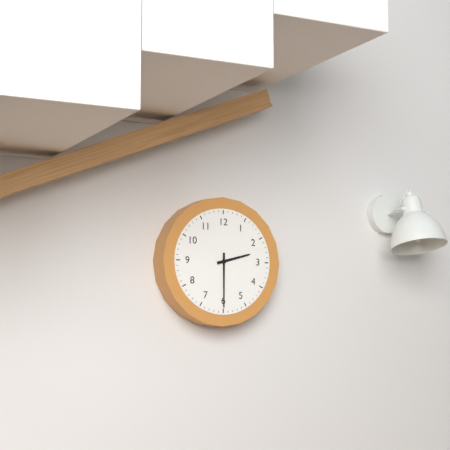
2:30
